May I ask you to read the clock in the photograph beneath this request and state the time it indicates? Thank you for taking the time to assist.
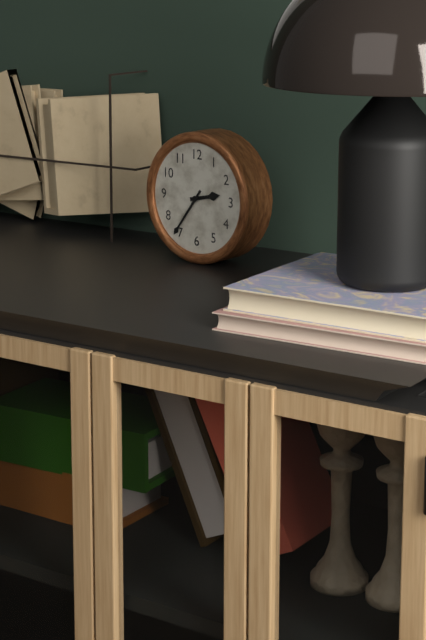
2:36
